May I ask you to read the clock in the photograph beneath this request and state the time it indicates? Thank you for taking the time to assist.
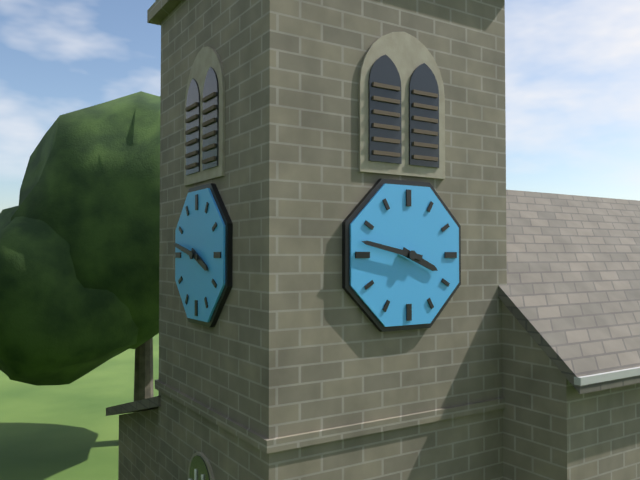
3:47
